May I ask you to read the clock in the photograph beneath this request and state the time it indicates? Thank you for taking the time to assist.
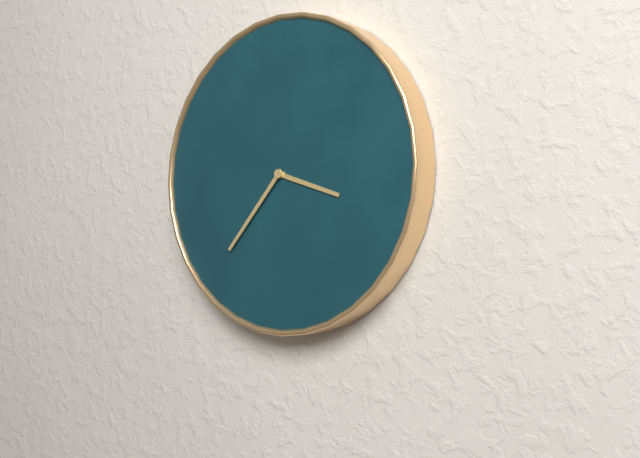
3:37
